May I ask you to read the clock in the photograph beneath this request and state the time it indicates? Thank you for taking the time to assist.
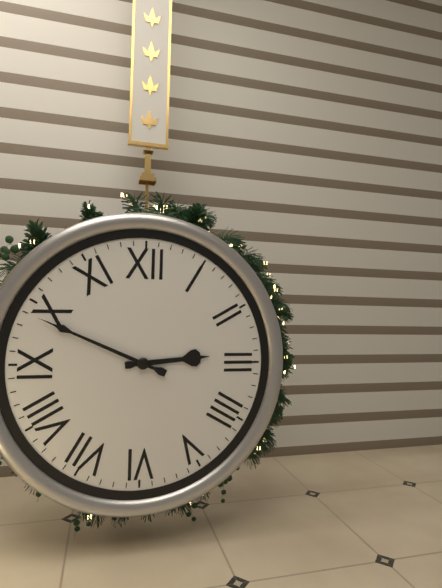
2:49
